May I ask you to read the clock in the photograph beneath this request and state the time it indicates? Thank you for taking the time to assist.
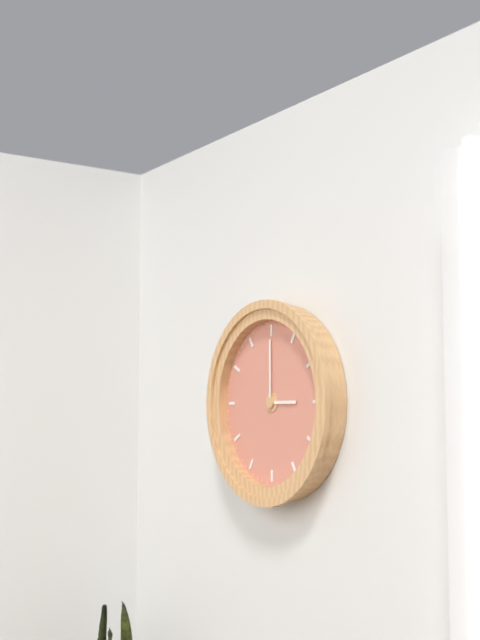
3:00
